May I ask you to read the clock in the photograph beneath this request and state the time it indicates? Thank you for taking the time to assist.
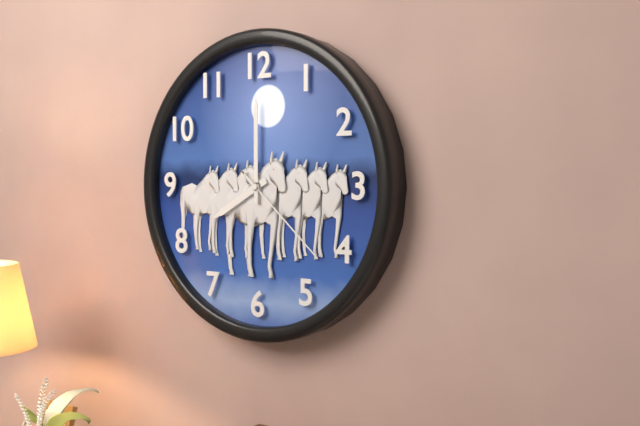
8:00:22
